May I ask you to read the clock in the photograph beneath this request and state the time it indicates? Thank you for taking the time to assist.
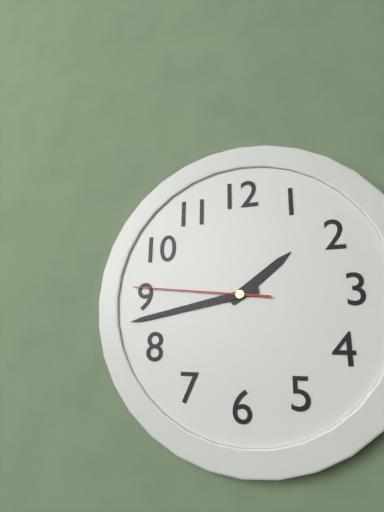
1:43:46
